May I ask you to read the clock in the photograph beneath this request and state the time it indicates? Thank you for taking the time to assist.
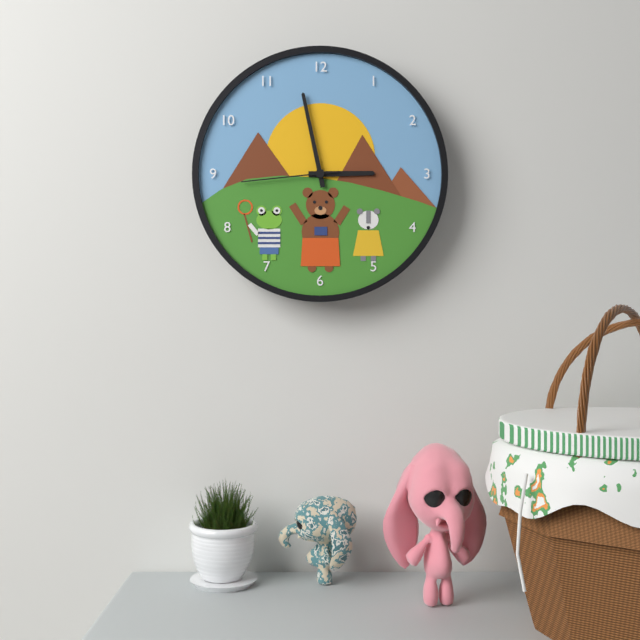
2:58:44
